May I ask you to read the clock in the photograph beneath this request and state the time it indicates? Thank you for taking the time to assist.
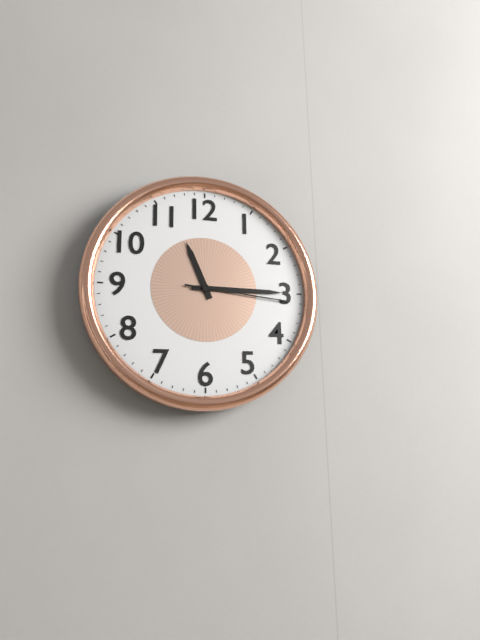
11:15:16
